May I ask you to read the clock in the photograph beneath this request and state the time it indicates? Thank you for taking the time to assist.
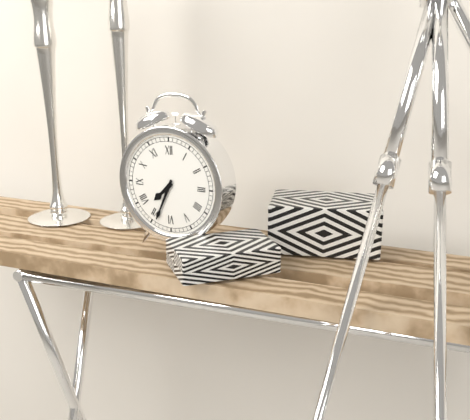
7:34
